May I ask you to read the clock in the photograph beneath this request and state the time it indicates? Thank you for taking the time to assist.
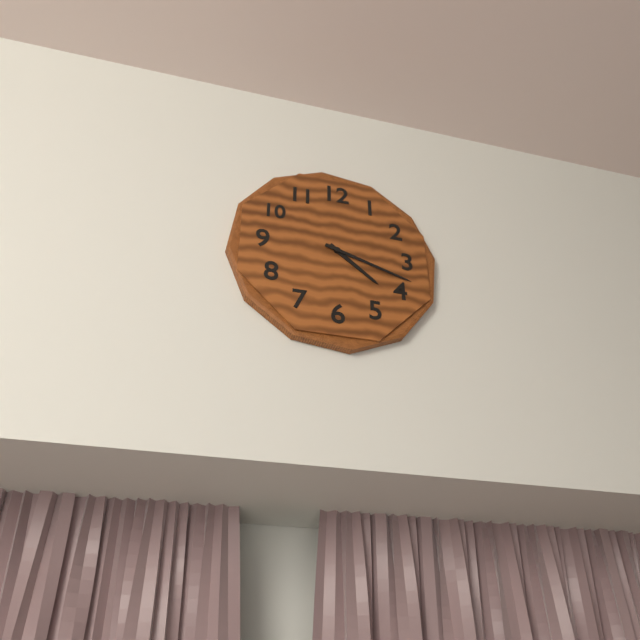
4:18
